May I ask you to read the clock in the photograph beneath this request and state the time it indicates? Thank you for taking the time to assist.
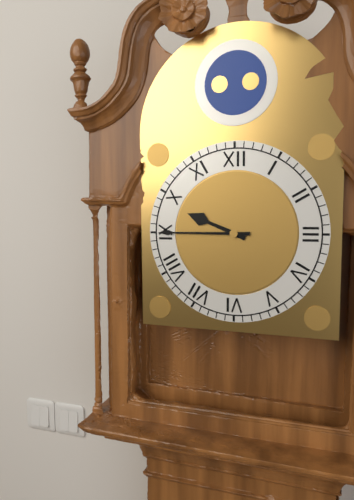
9:45
